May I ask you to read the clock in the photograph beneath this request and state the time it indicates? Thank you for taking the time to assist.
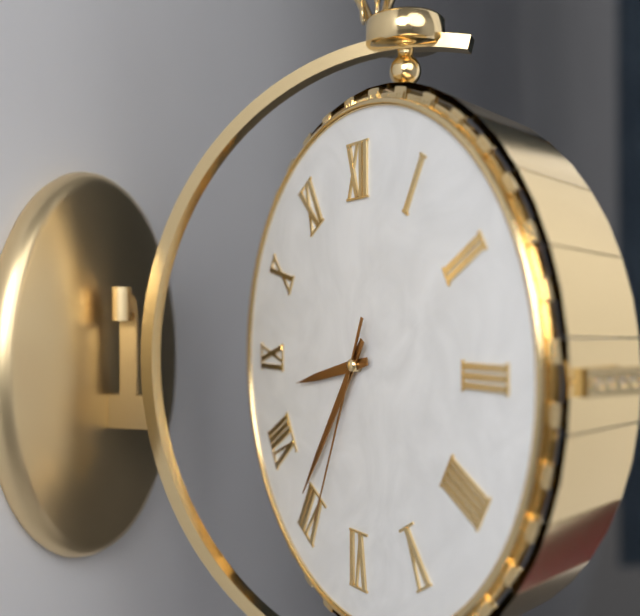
8:36:34
